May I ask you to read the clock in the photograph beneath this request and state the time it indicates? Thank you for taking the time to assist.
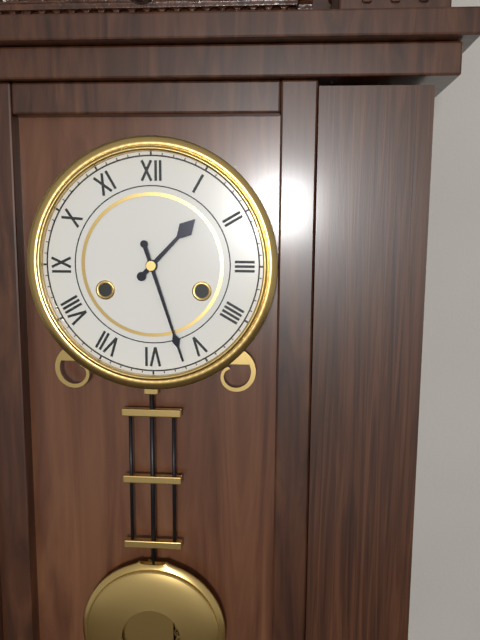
1:27
